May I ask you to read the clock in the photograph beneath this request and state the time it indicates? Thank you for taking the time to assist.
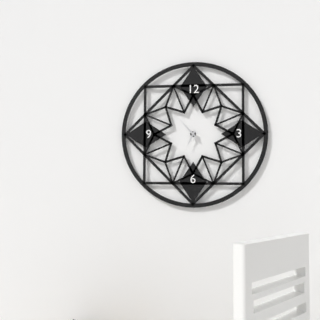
6:53
